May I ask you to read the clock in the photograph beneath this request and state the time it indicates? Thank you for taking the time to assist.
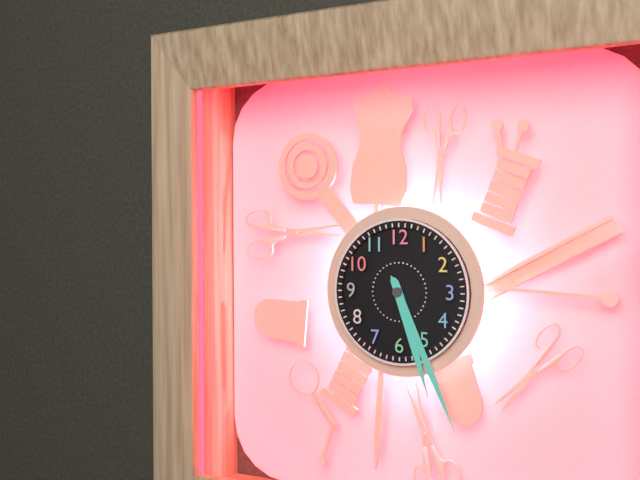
5:26
